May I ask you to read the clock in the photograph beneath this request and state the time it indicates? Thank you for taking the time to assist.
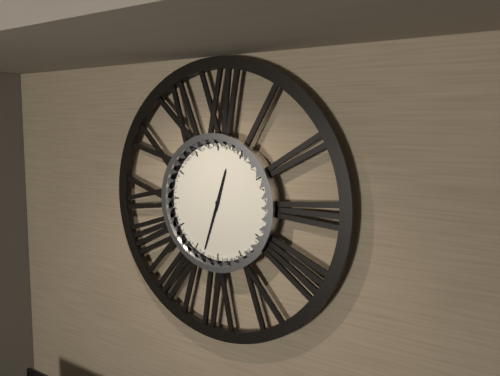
12:33
